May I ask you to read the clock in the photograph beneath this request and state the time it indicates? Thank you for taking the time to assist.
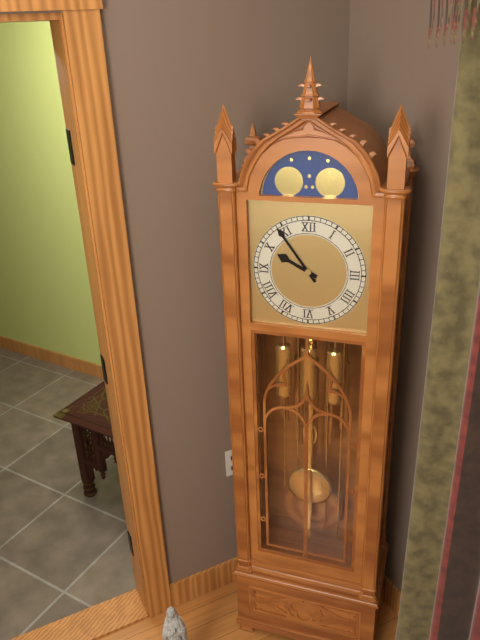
9:54
